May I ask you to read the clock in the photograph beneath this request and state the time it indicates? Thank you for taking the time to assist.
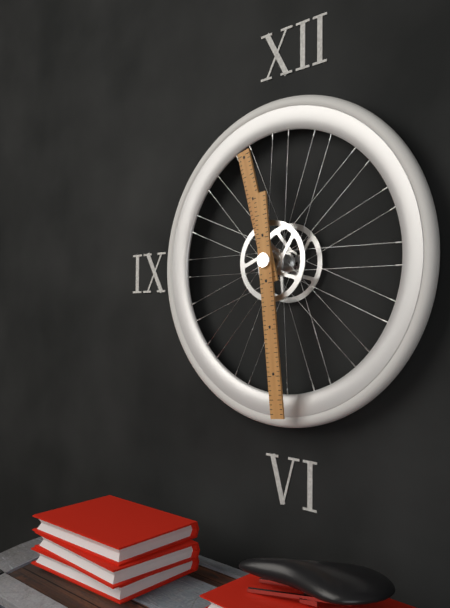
11:29
